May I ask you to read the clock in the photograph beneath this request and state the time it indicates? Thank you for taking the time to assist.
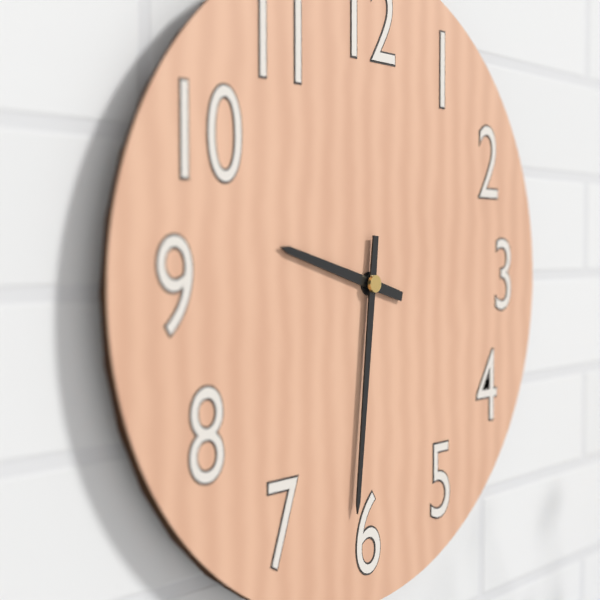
9:31
